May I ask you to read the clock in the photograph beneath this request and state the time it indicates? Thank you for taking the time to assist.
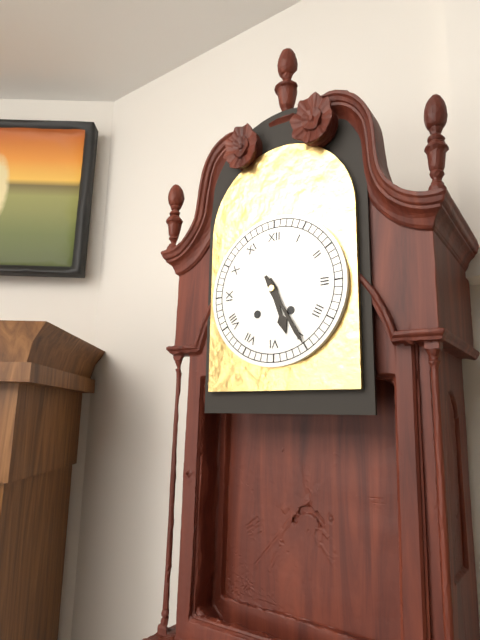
5:25
